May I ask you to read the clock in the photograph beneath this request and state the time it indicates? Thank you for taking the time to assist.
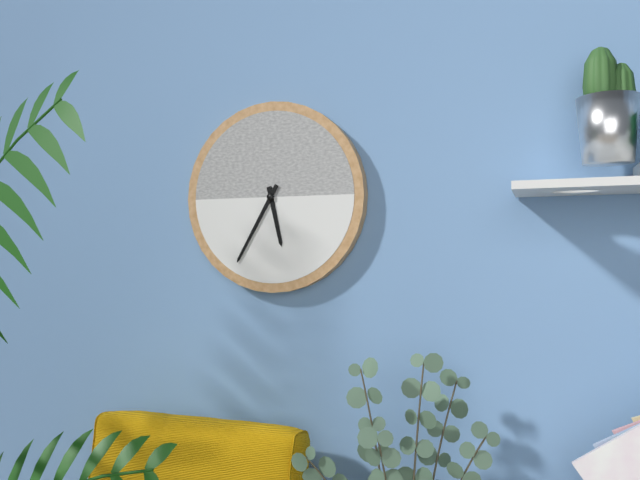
5:35
